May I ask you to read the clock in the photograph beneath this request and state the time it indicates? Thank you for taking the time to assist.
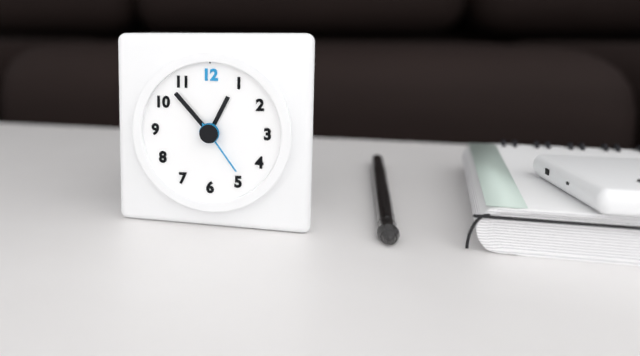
12:53:24
